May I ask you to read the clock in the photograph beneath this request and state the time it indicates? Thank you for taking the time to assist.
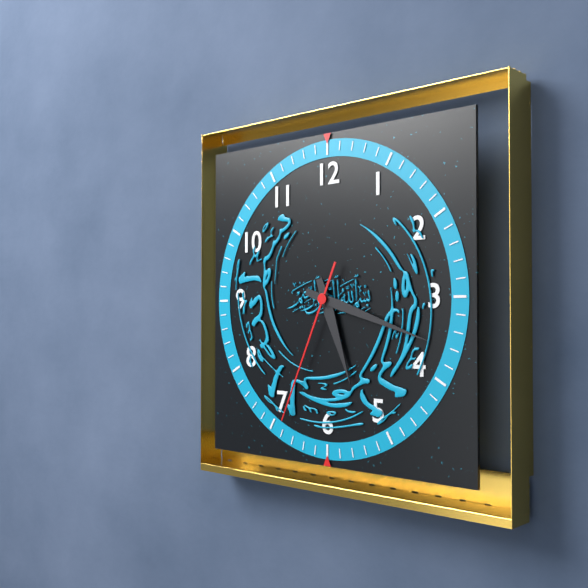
5:18:34
